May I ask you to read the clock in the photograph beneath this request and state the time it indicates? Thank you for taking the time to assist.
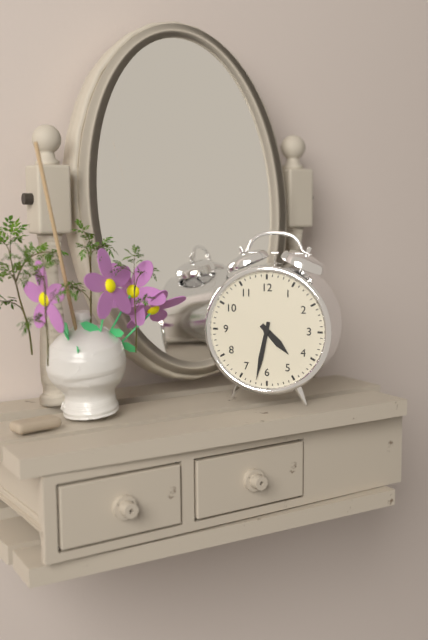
4:32
